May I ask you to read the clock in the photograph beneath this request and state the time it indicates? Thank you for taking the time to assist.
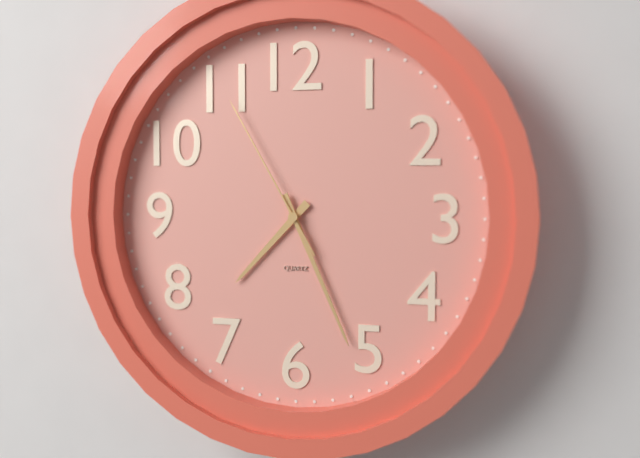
7:26:55
